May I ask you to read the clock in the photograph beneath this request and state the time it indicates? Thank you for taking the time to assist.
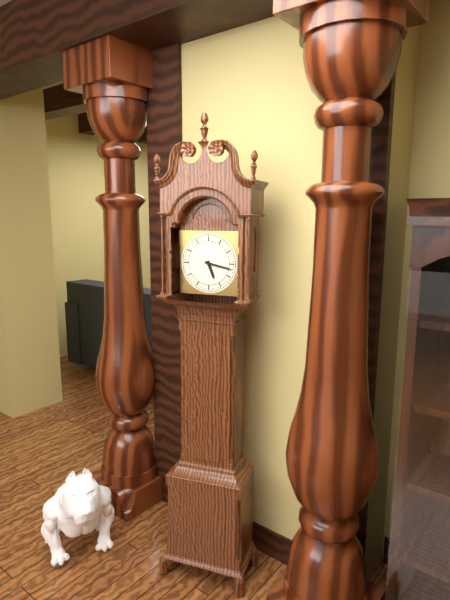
5:17
